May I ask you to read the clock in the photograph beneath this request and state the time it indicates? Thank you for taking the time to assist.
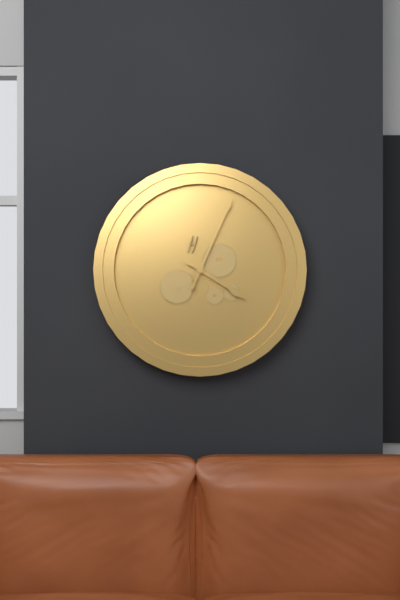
4:04
